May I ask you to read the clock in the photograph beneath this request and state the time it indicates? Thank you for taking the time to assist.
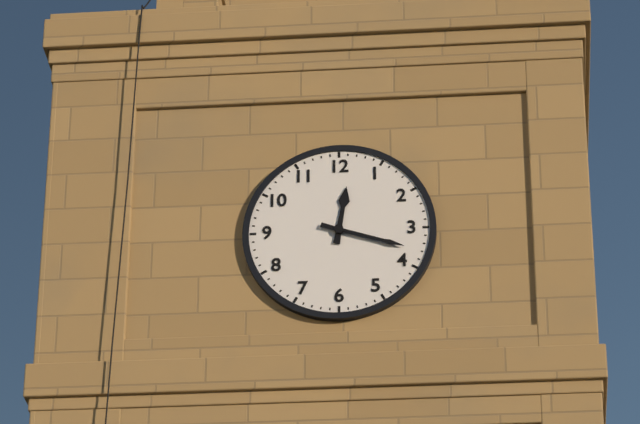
12:18
